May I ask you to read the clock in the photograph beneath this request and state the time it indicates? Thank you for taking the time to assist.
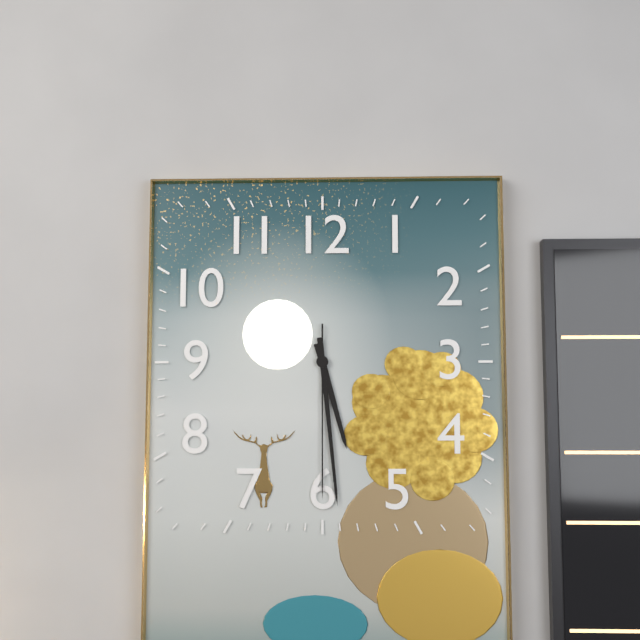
5:29:30
